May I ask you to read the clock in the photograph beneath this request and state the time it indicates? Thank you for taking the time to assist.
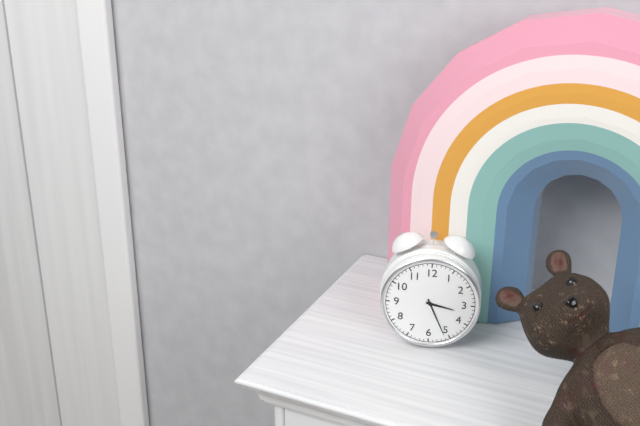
3:26
